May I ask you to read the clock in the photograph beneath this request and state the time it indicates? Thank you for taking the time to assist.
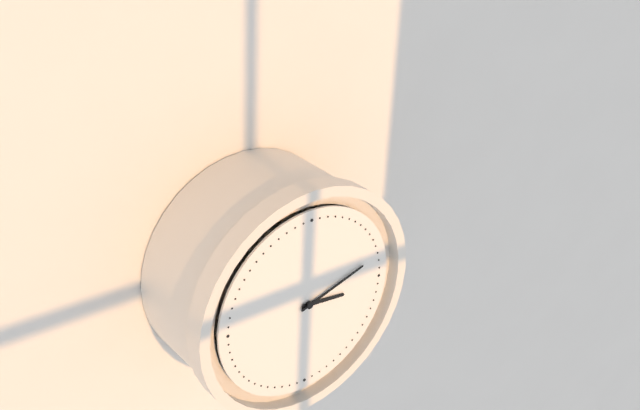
3:12
